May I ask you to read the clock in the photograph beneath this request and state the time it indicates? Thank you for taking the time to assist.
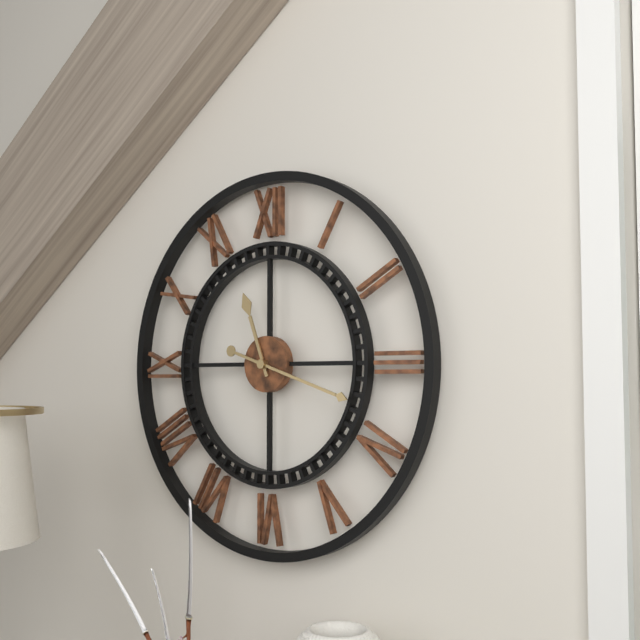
11:18
